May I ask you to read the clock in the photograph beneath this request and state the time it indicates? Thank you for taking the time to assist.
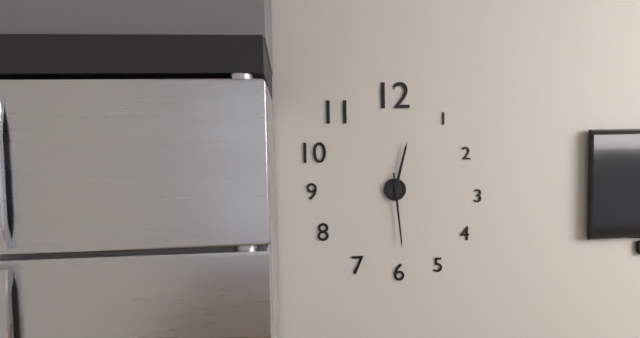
12:29
